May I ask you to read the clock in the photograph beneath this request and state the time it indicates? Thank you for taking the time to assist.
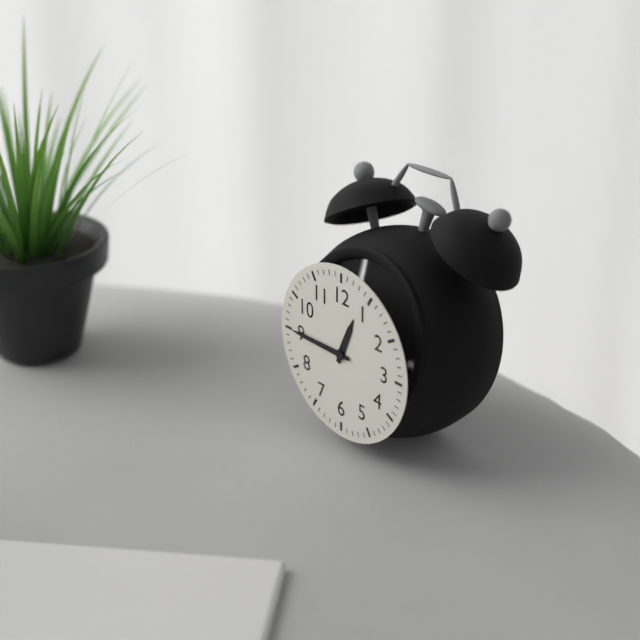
12:45
